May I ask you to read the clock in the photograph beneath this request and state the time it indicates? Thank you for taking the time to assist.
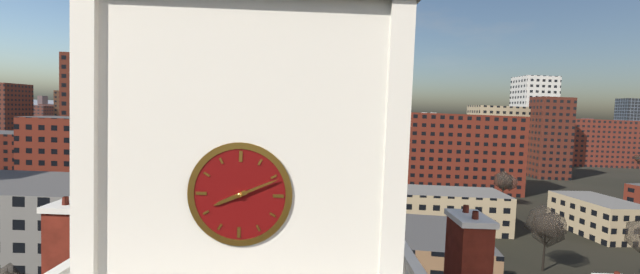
8:11
